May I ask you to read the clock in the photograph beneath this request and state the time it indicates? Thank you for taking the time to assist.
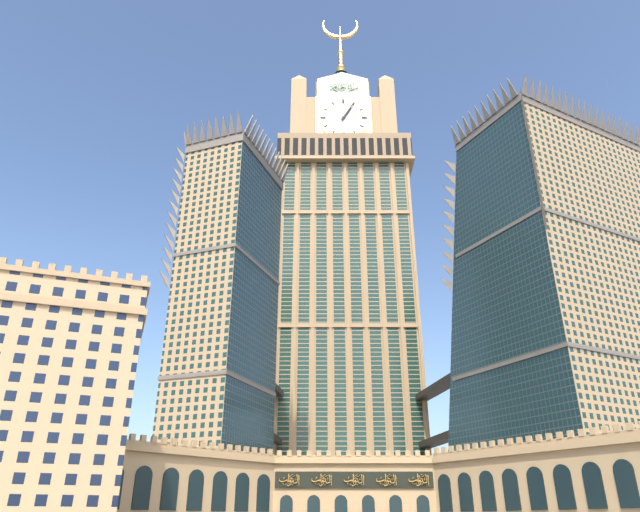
1:05
